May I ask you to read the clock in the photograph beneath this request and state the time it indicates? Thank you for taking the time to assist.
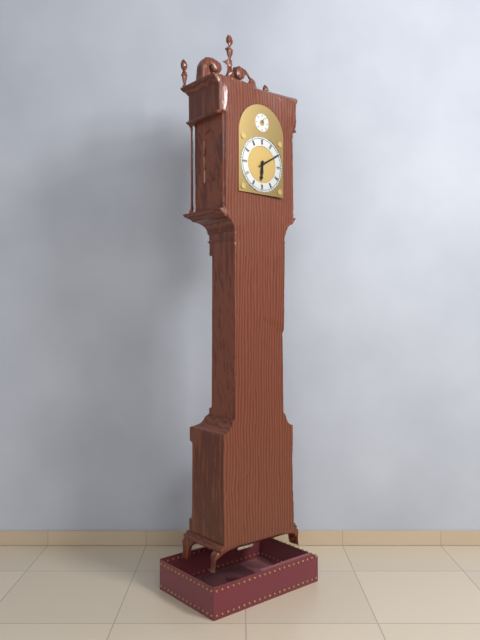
6:10
